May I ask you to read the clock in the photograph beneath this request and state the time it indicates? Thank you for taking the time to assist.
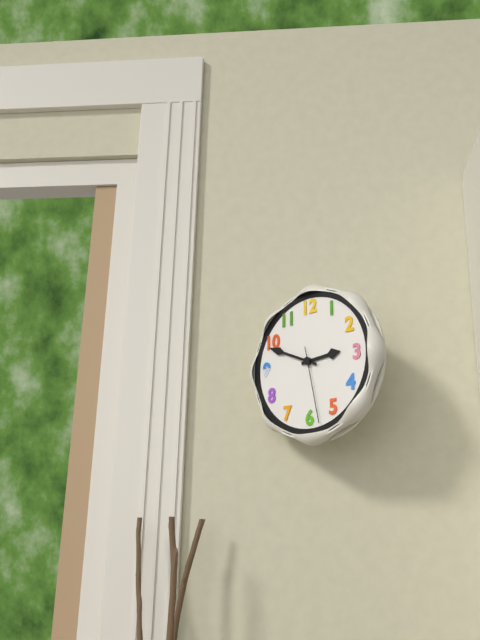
2:49:28
